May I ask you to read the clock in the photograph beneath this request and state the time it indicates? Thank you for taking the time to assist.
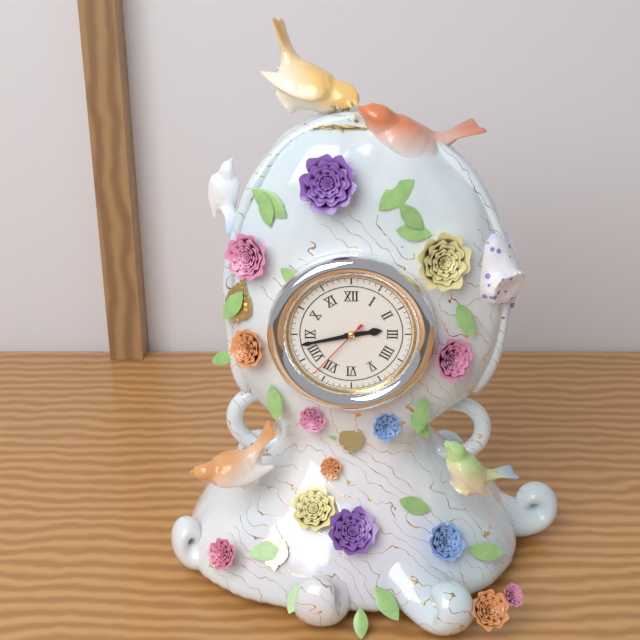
2:43:37
